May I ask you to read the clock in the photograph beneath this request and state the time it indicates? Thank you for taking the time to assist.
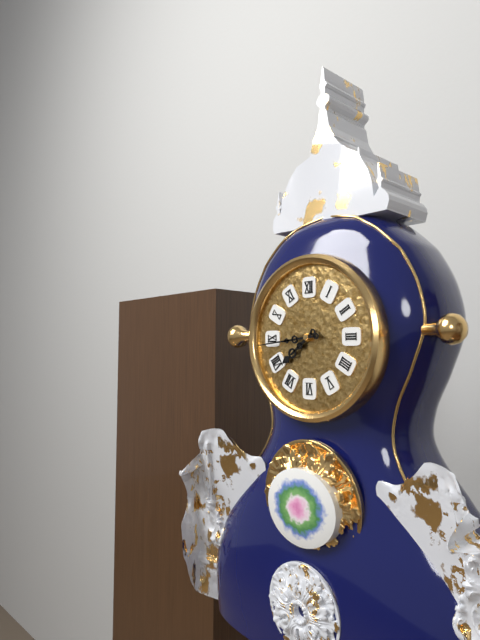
7:44
